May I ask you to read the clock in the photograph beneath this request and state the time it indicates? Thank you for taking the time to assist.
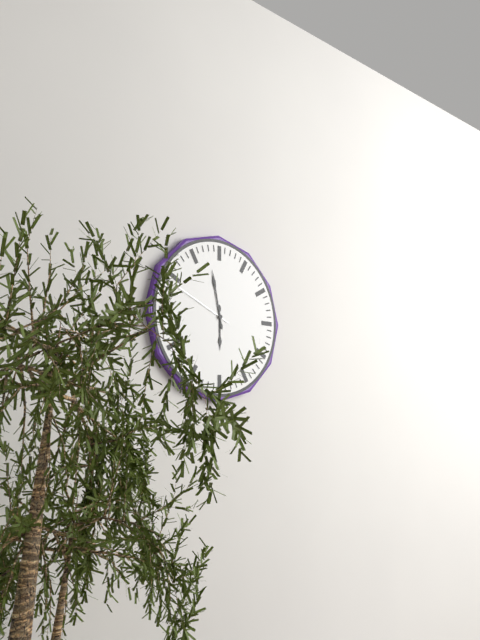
5:58:49
